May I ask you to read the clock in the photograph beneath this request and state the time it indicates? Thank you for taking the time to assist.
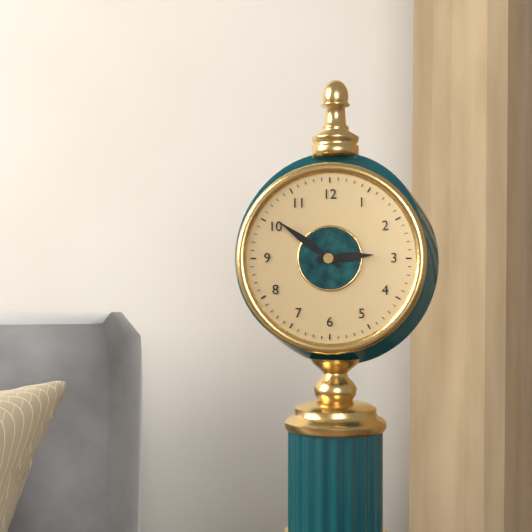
2:51
